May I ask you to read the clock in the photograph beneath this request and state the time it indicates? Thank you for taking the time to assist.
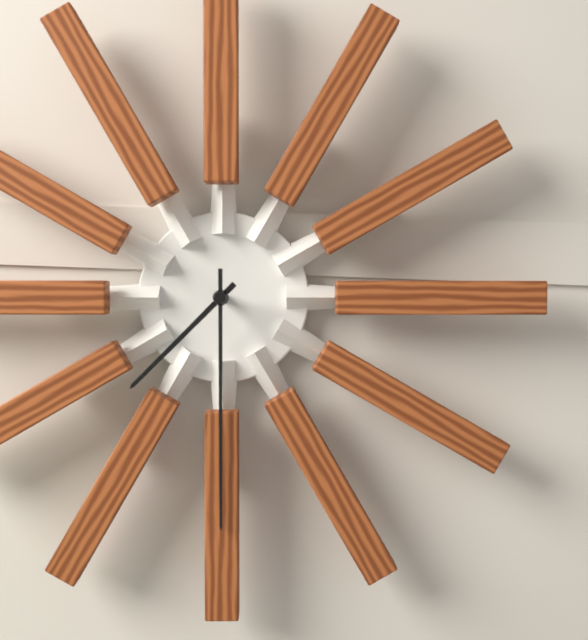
7:30
